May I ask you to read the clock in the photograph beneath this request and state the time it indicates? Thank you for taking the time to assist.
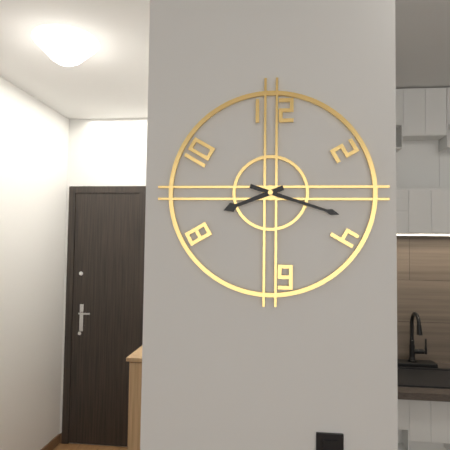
8:18
